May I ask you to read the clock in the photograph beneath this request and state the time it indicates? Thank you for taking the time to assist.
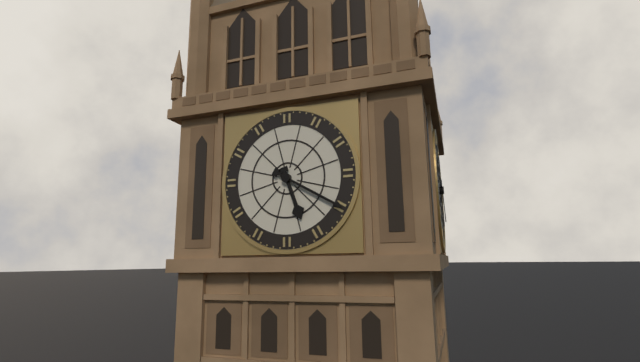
5:20
